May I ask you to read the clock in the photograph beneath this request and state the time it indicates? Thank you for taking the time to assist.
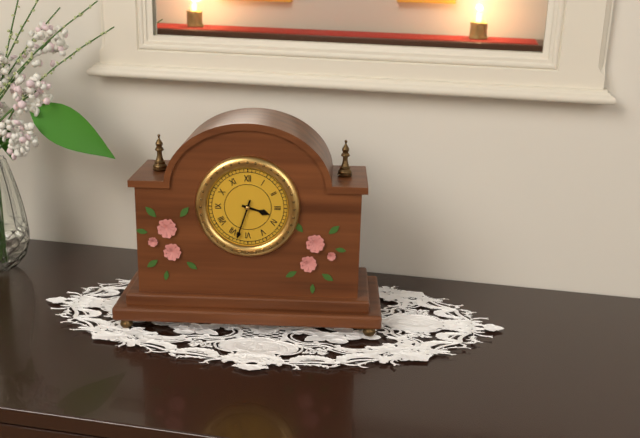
3:33
